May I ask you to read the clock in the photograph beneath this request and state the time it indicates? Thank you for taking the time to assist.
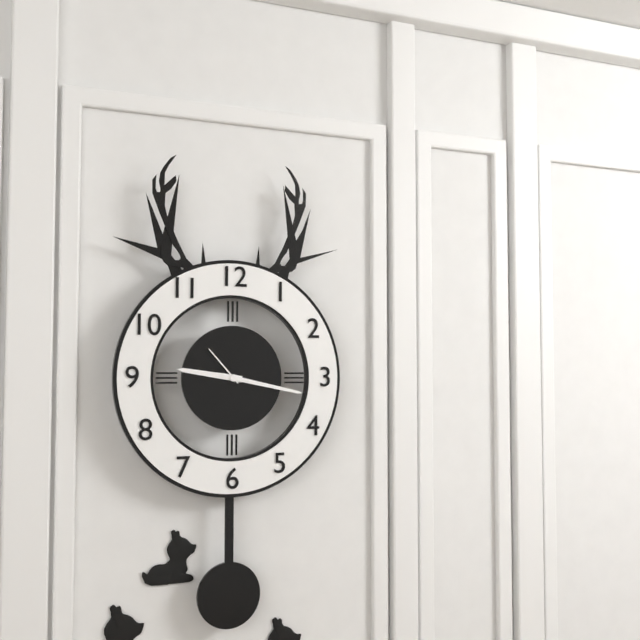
9:17
